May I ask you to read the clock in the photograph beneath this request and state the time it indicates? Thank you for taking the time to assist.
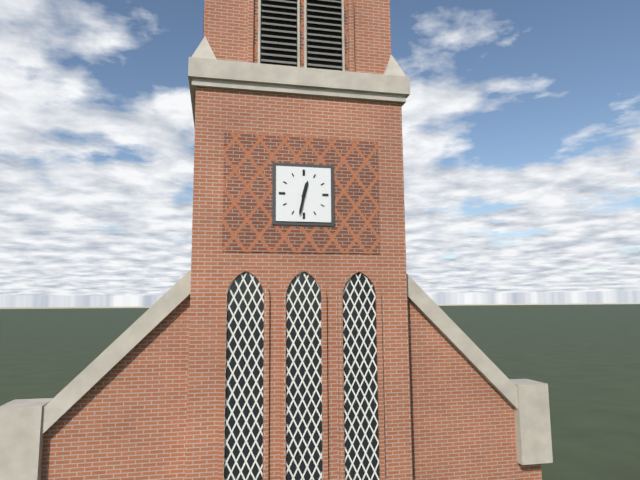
12:32
